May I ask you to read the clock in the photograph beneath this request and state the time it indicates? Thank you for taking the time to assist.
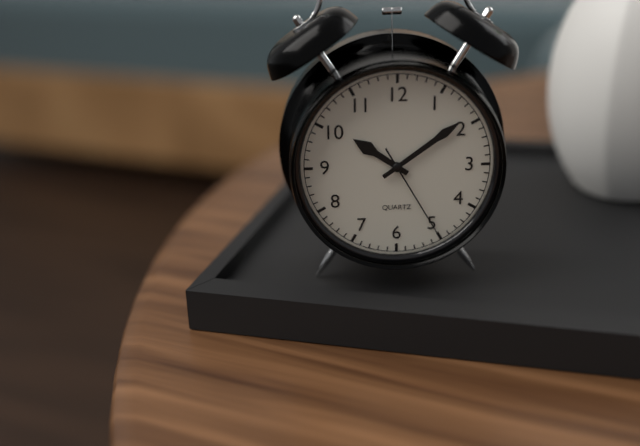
10:09:25
